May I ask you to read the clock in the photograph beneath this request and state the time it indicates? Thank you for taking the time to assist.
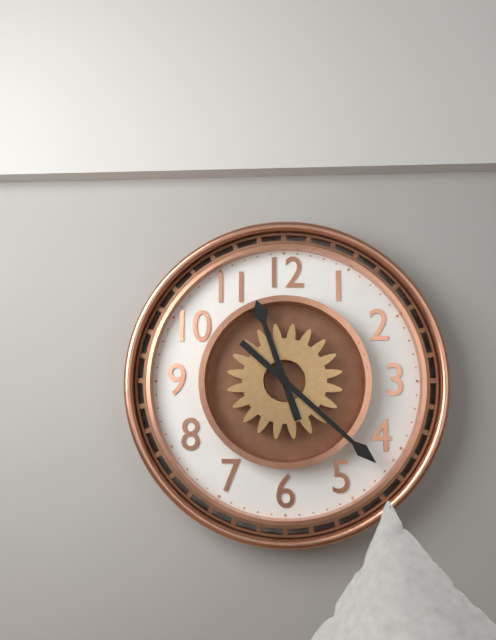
11:22
